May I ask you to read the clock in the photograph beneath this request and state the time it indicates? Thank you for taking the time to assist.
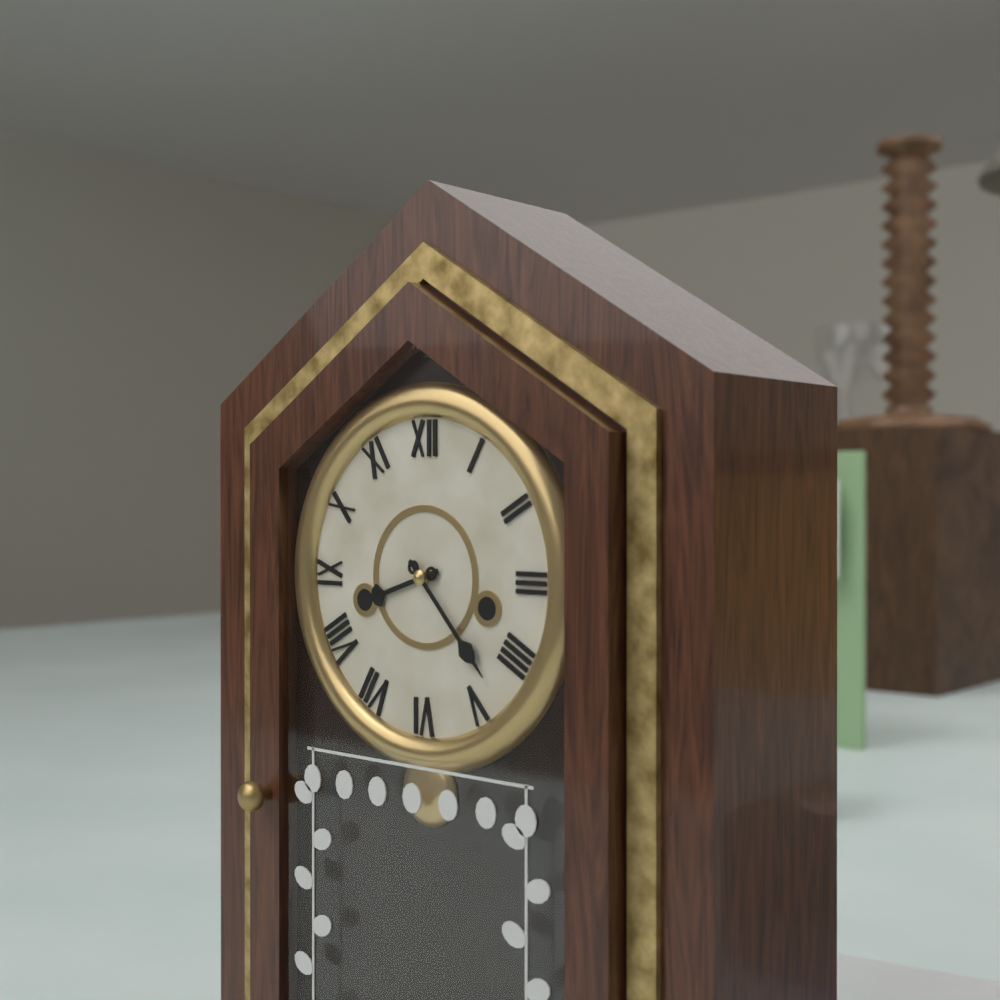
8:23
